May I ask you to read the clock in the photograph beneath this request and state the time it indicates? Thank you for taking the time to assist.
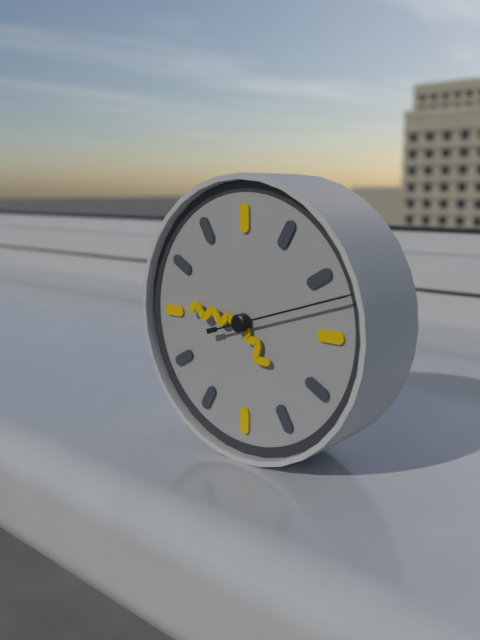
4:46:12
